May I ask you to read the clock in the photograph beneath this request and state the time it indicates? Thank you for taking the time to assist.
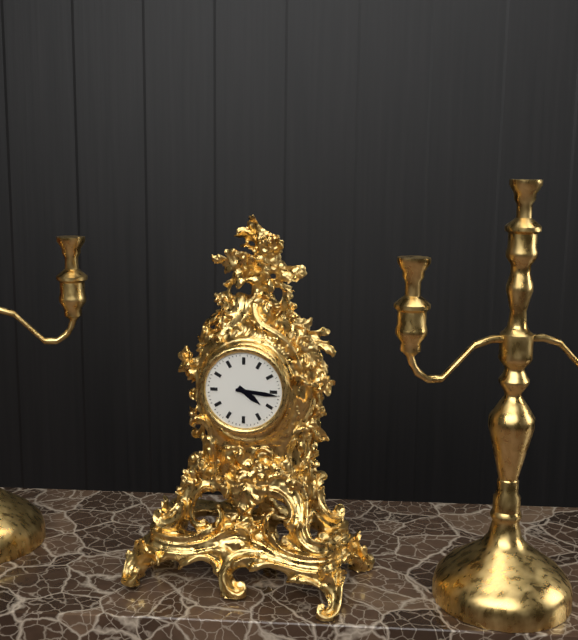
4:16
